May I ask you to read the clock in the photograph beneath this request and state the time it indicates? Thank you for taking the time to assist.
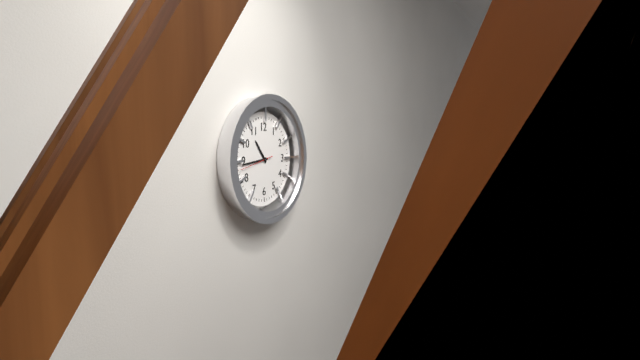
10:44
